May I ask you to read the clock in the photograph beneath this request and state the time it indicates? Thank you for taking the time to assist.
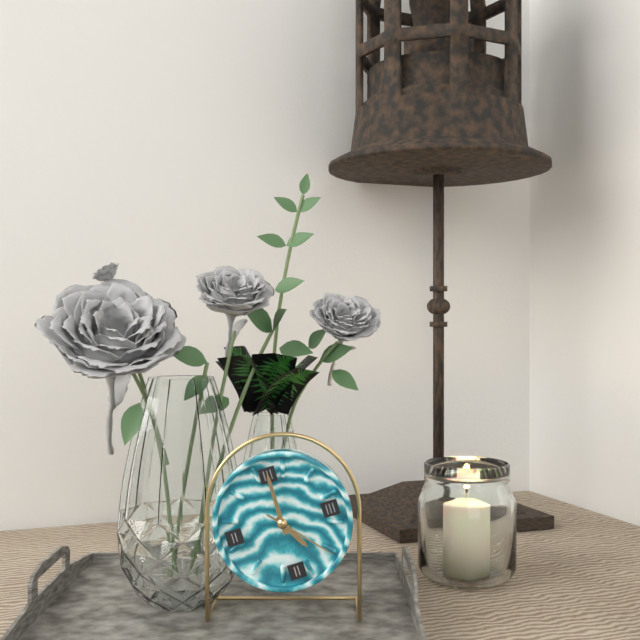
5:00:23
